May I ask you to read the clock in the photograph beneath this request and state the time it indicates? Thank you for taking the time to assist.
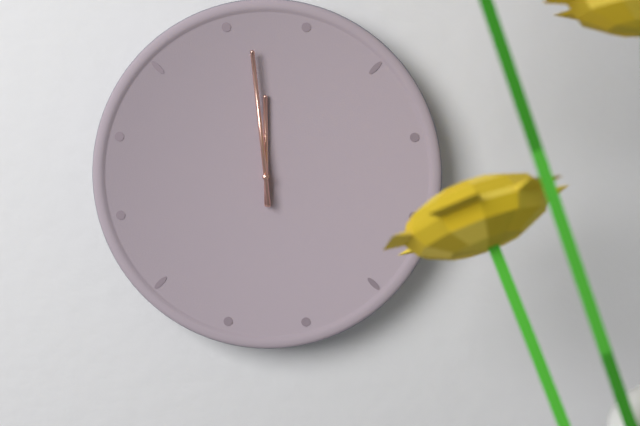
11:59
